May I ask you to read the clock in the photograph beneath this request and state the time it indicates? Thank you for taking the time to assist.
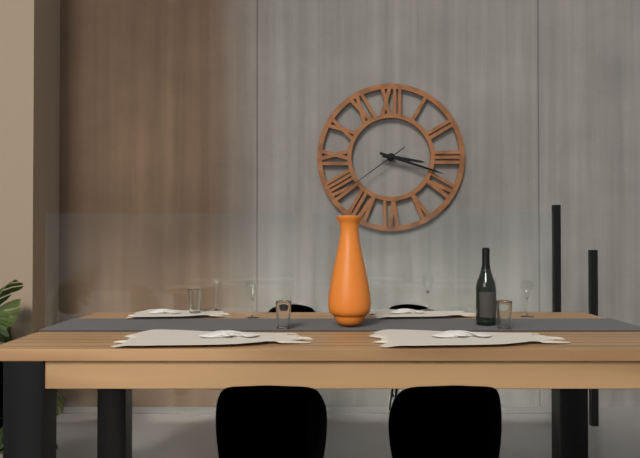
3:18:39
